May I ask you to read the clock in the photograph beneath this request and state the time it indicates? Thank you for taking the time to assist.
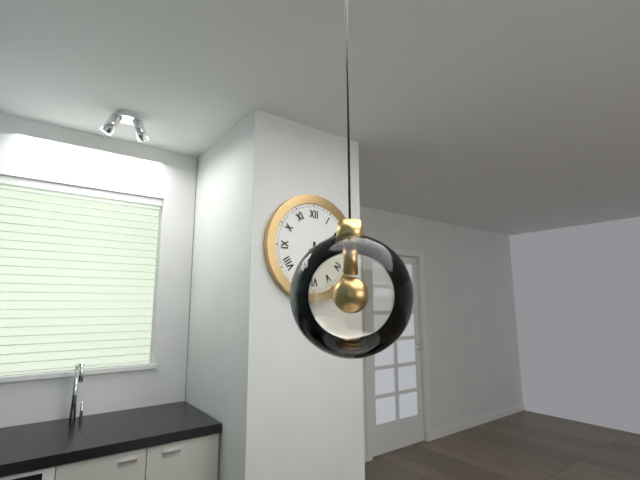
6:10
